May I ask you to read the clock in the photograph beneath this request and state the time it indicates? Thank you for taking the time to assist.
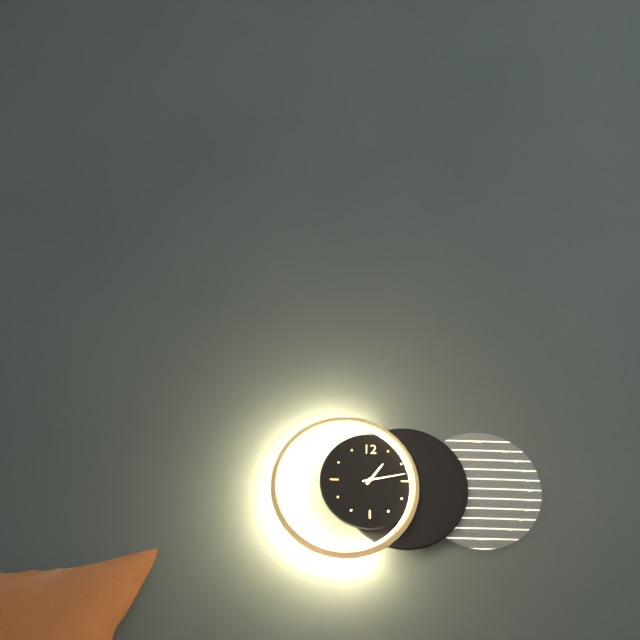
1:13
